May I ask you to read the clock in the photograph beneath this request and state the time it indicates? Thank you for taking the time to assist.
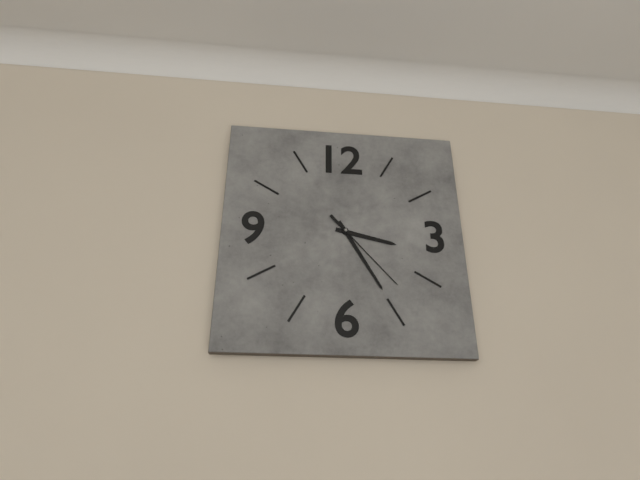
3:25:23
